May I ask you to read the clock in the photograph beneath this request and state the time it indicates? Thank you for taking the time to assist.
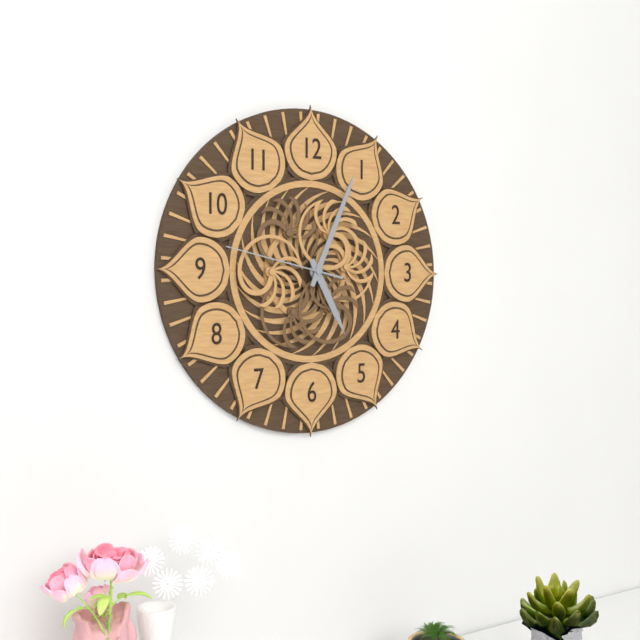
5:04:47
